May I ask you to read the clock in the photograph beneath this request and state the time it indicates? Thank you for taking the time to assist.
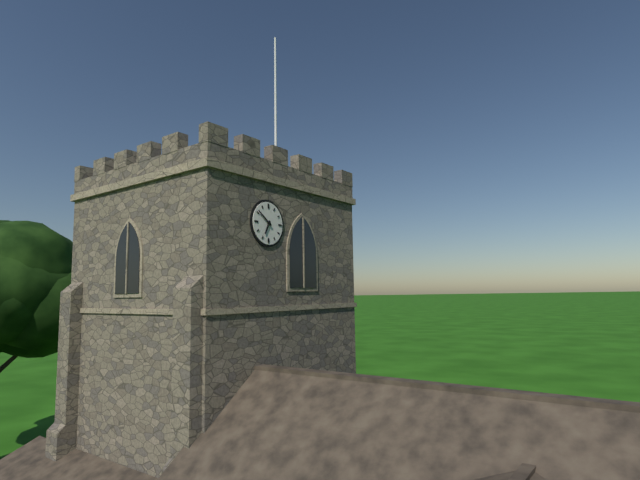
6:51
